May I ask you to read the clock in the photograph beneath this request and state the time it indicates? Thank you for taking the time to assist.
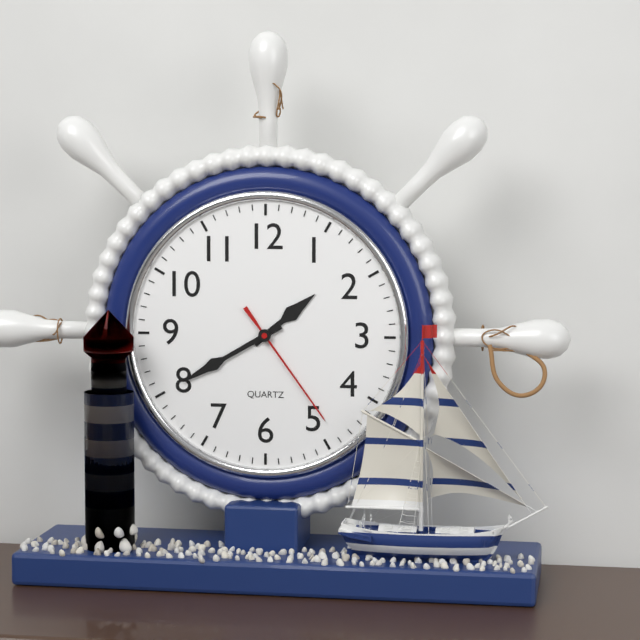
1:40:24
